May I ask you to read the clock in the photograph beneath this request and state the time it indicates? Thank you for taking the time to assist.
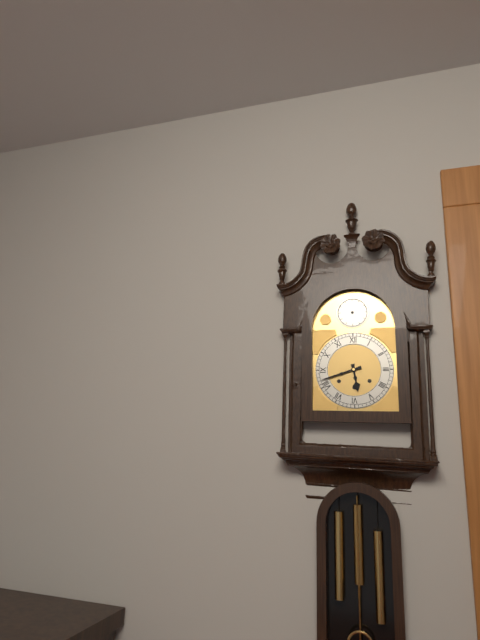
5:42
